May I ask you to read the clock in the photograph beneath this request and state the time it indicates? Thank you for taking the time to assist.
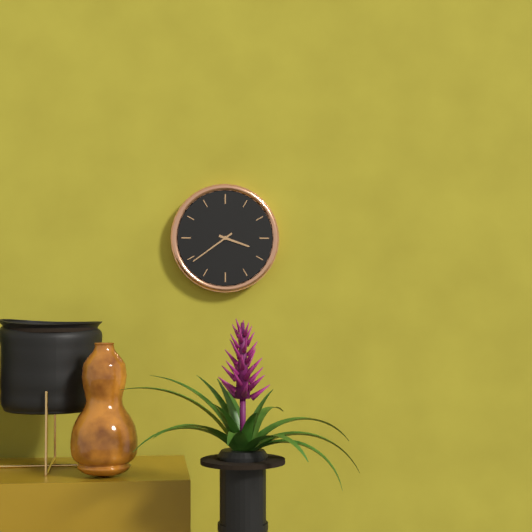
3:39
